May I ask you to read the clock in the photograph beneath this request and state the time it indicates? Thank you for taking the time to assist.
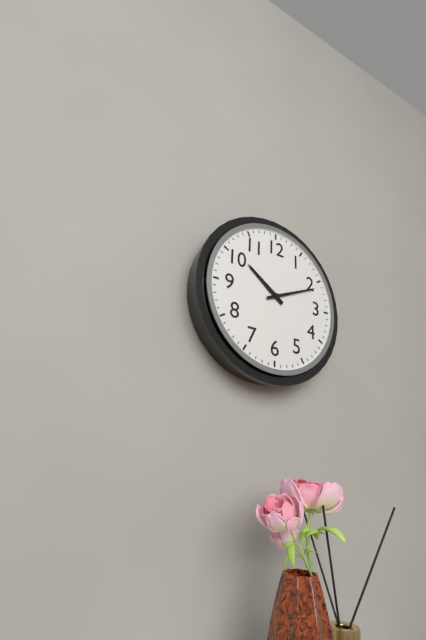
10:11
